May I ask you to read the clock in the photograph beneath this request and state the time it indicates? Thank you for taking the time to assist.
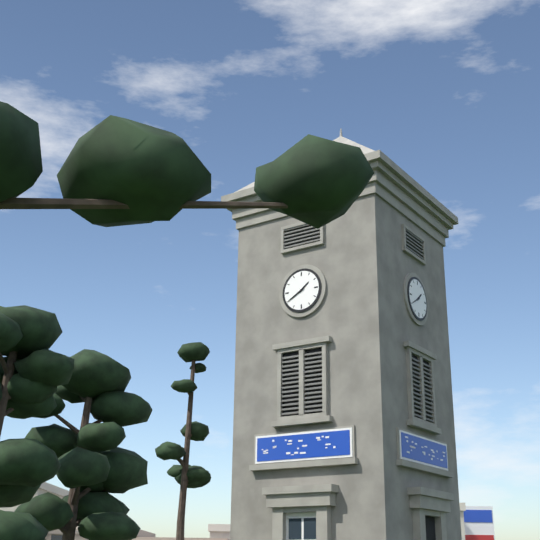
1:40
